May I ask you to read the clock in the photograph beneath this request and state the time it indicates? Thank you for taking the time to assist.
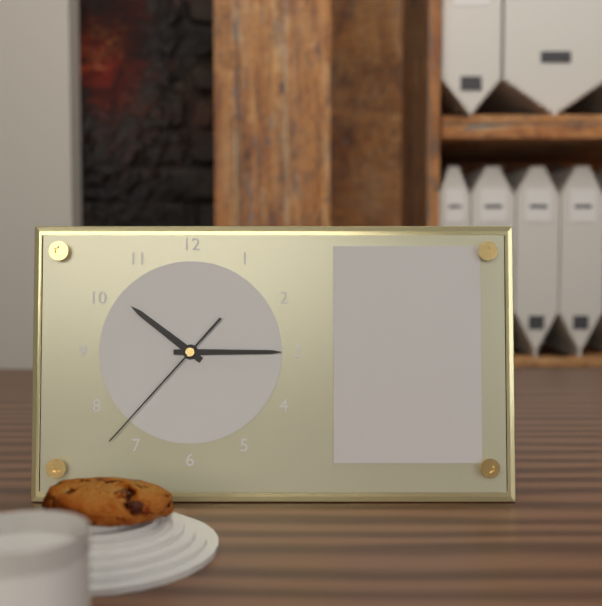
10:15:37
